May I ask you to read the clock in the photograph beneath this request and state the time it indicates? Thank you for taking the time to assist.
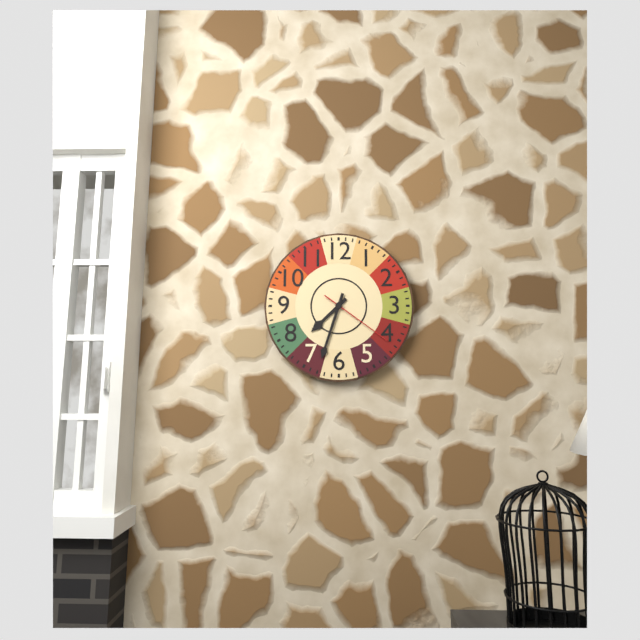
7:33:21
